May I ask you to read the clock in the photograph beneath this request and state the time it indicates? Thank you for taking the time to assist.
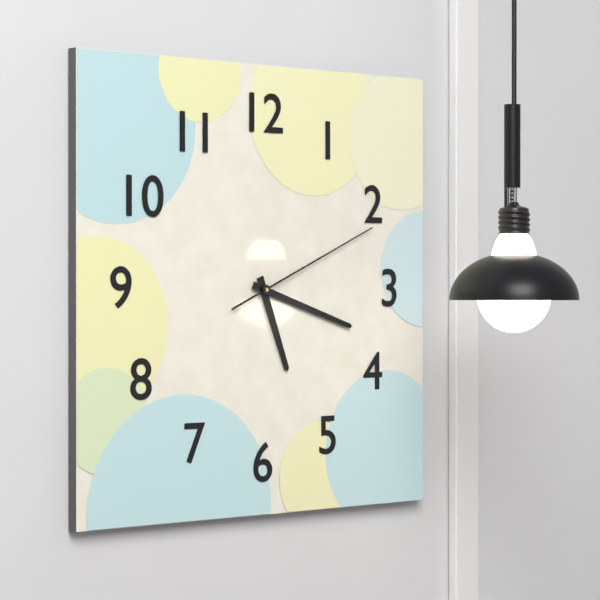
5:18:11
